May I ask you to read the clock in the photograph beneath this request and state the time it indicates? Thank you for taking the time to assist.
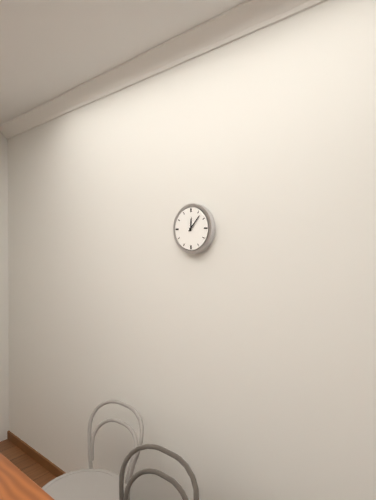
12:07
